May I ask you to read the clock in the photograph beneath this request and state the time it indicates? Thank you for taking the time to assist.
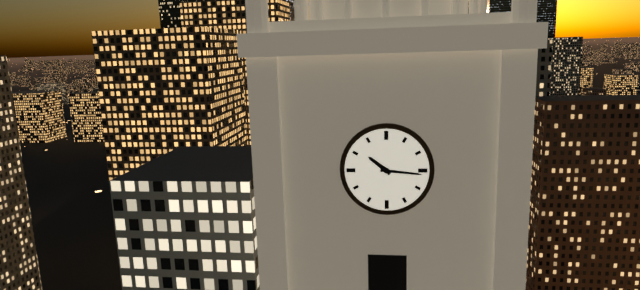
10:16
